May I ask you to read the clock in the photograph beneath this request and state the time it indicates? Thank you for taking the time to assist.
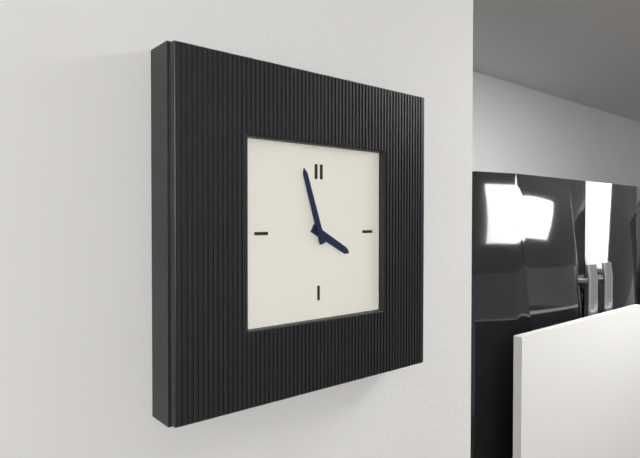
3:57
